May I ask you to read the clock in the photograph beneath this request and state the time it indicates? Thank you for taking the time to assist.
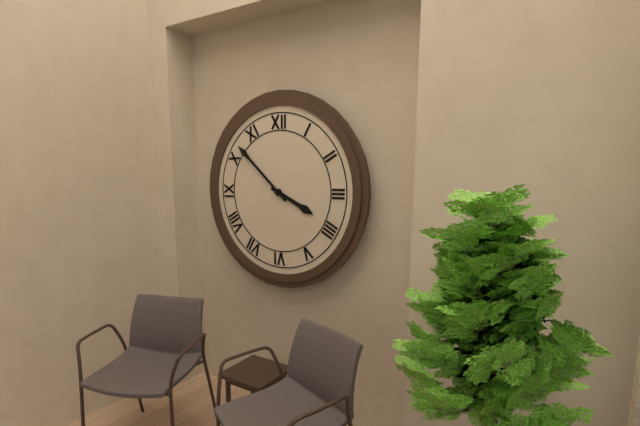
3:52
